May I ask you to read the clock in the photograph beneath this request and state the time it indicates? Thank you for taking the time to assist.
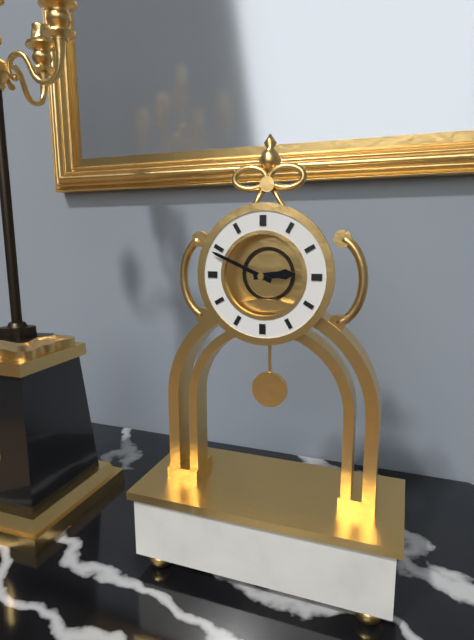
2:49
